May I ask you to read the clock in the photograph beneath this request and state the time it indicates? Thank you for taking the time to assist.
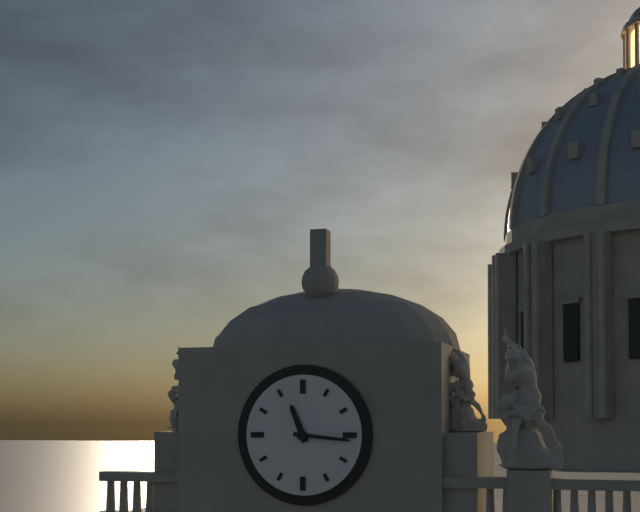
11:16
